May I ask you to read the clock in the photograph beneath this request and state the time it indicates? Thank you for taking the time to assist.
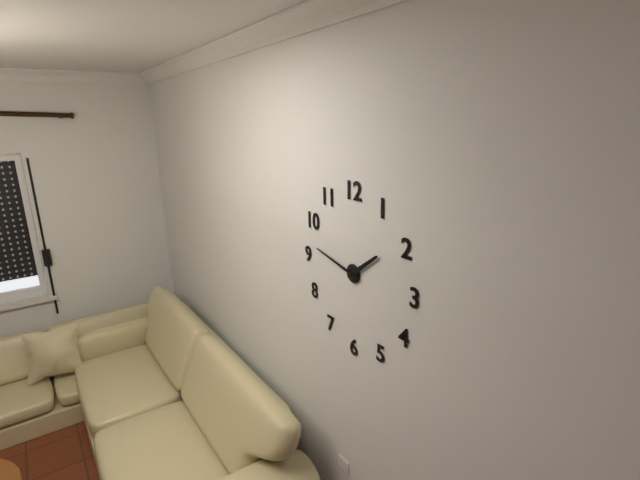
1:47
